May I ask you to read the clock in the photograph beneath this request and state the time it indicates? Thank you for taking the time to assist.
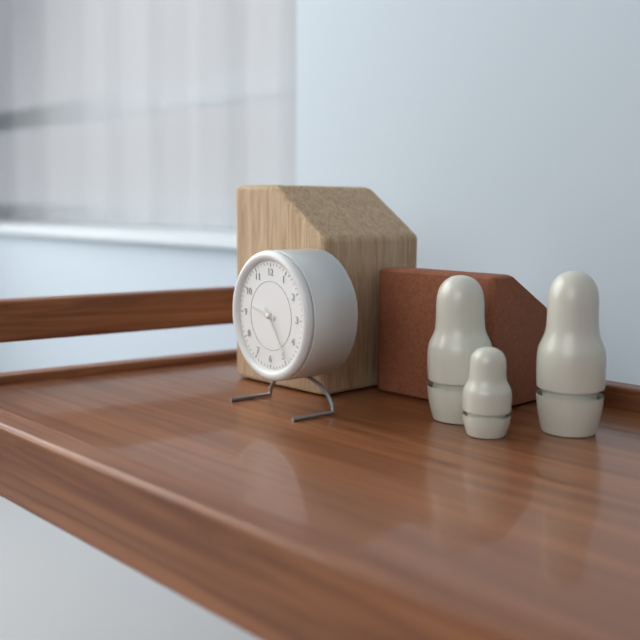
9:24
